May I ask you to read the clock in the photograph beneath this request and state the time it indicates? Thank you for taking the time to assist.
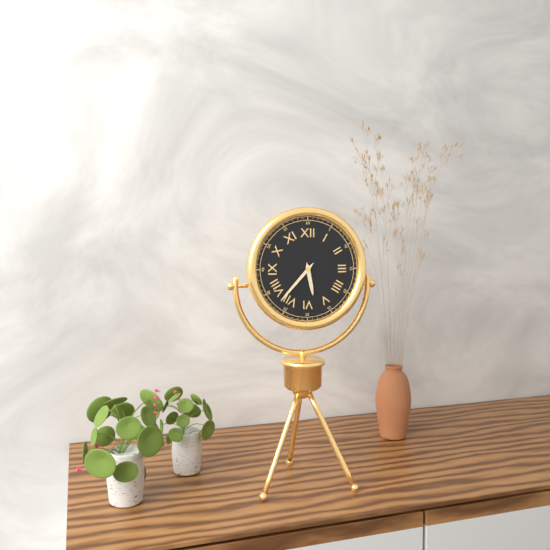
5:37
